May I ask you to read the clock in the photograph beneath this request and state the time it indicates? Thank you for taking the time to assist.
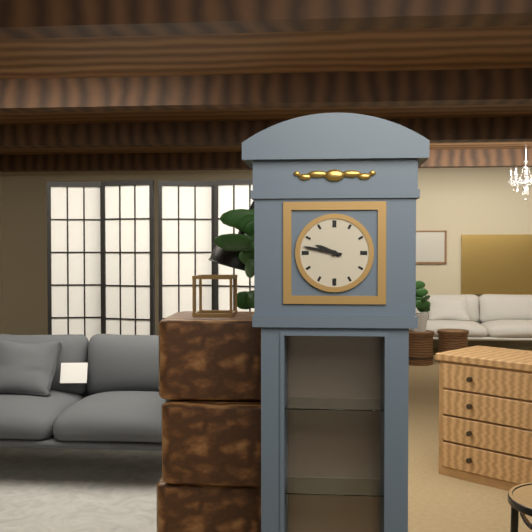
9:47
